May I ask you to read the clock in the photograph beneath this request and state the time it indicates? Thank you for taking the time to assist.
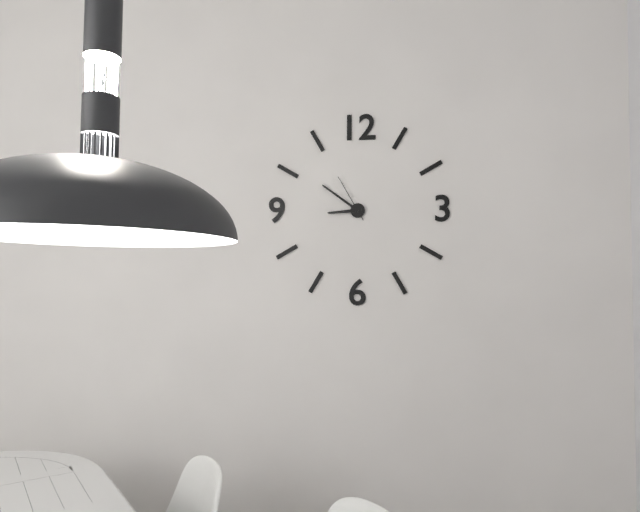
8:51
